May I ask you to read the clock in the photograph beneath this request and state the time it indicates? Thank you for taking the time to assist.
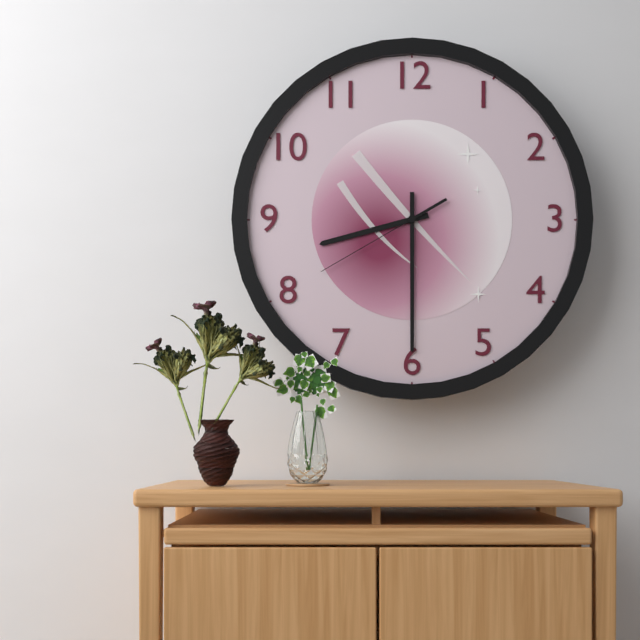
8:30:40
